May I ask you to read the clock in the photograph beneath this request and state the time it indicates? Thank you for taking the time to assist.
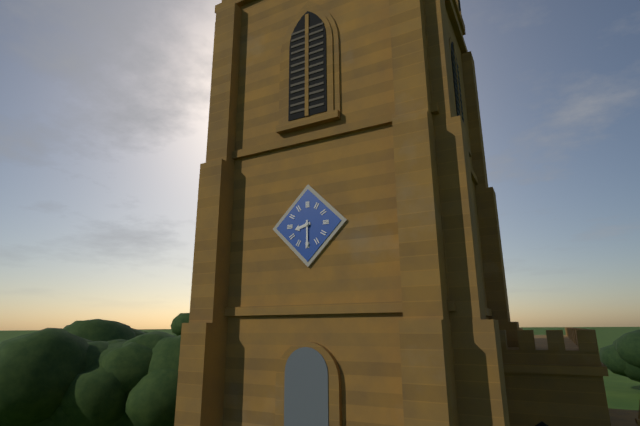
8:30
